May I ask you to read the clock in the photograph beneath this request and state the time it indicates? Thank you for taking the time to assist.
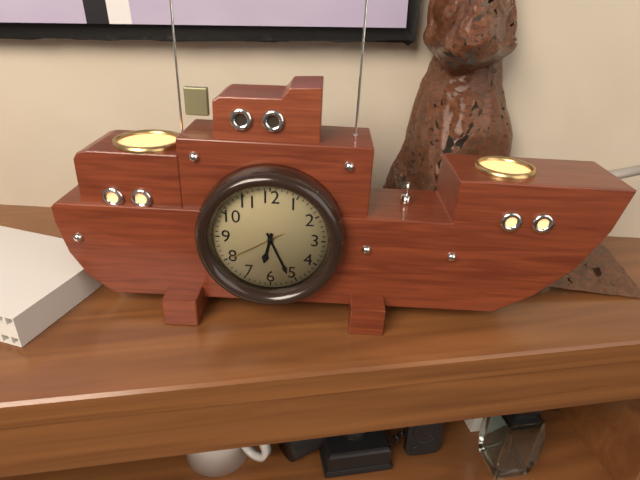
6:26:40
